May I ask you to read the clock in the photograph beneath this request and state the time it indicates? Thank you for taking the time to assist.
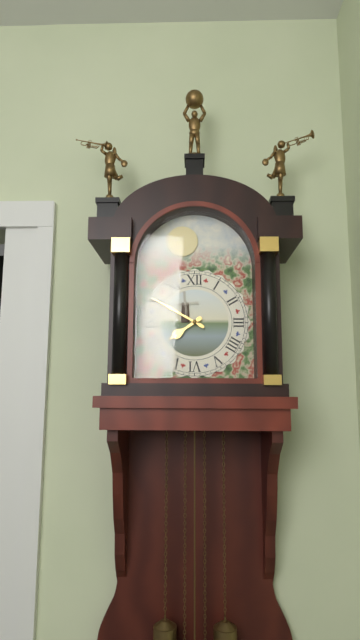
7:50
